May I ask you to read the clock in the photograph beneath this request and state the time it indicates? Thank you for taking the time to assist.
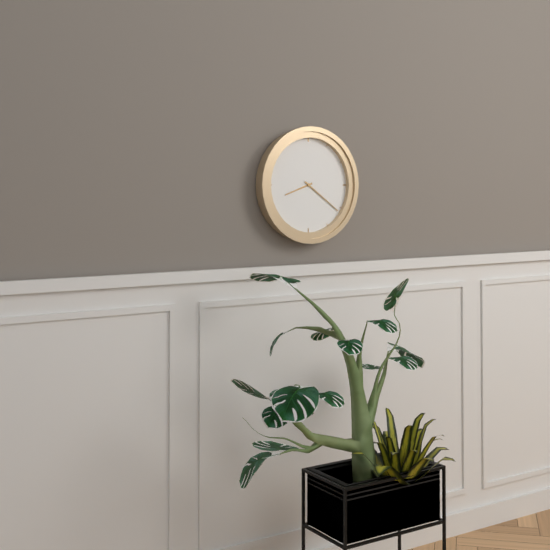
8:21
